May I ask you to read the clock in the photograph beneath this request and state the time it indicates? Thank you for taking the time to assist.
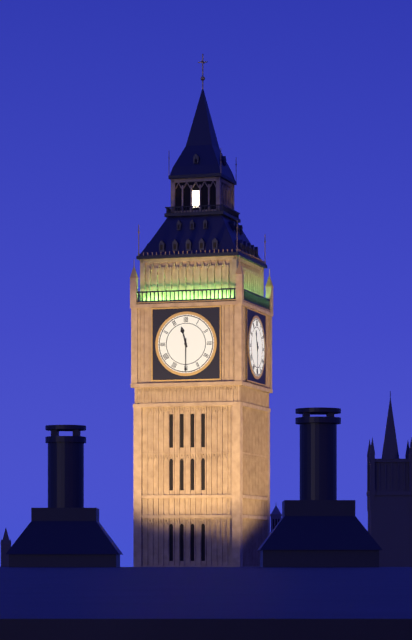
11:30
